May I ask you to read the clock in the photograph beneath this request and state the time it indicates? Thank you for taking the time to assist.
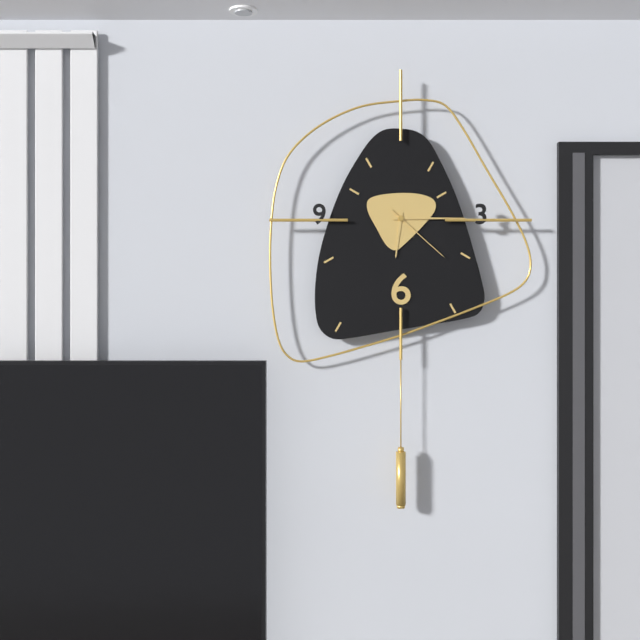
6:15:22
